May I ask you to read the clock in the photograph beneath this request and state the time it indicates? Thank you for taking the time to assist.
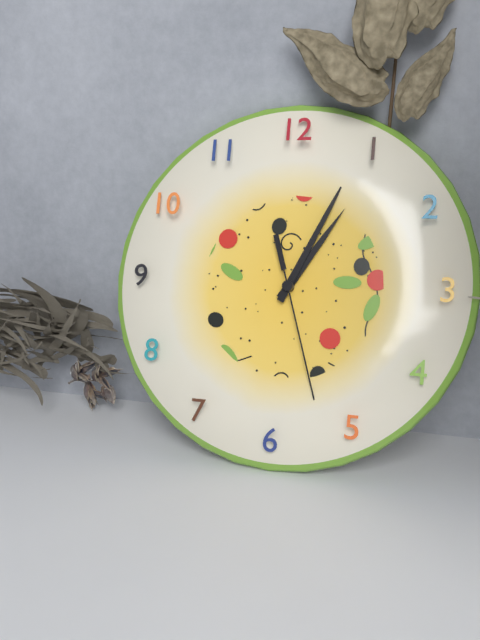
1:04:27
